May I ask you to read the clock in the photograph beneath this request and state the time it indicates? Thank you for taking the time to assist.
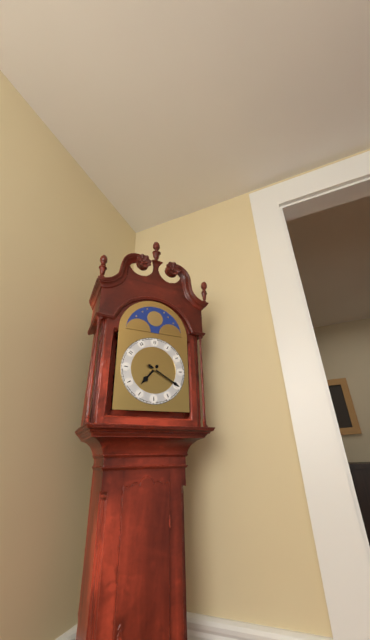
7:20
